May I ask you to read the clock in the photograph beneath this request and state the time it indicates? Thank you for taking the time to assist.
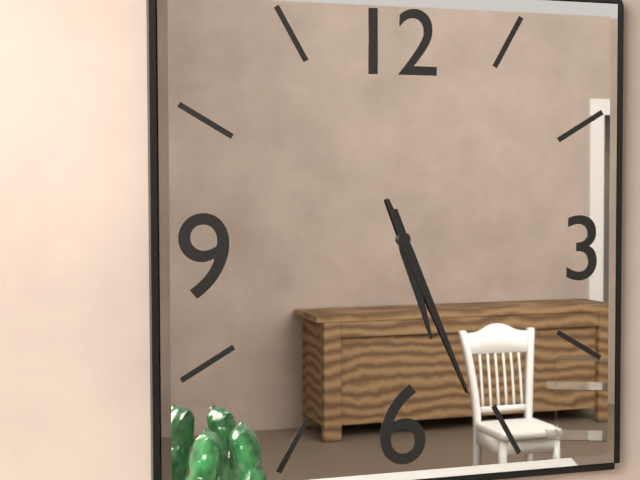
5:26
